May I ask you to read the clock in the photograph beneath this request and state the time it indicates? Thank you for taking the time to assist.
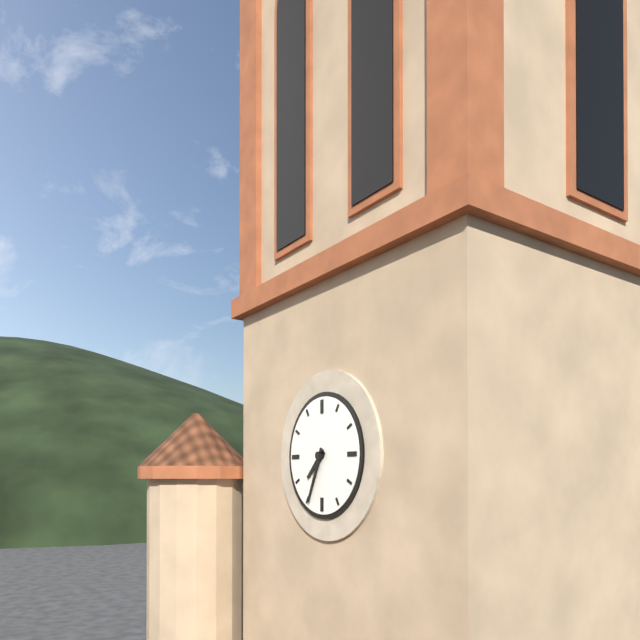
7:34
